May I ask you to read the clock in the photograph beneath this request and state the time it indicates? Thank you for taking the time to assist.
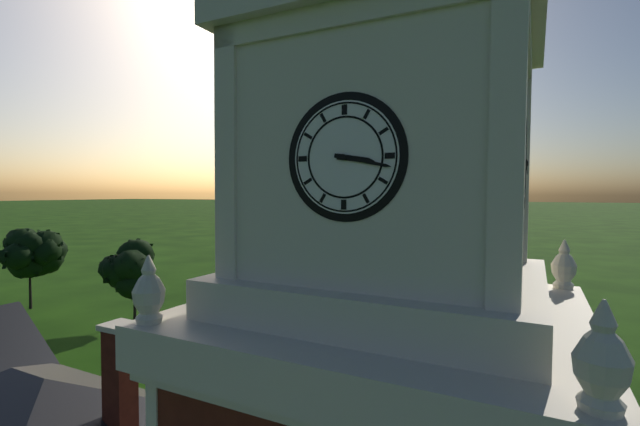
3:17
